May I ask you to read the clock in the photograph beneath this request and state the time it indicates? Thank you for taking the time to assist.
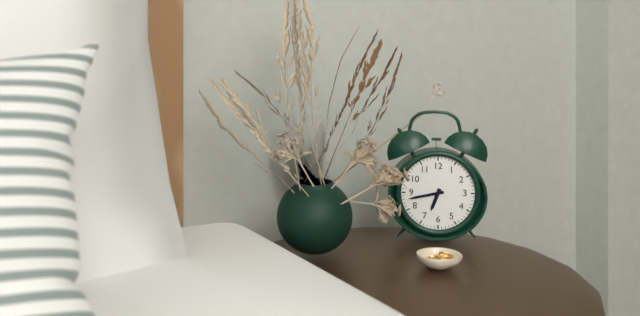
6:43
